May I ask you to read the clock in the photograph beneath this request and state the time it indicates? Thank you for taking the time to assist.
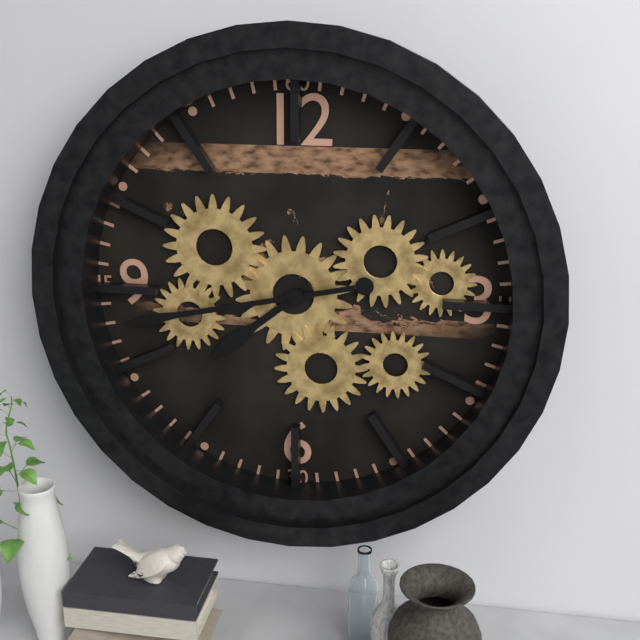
7:43
